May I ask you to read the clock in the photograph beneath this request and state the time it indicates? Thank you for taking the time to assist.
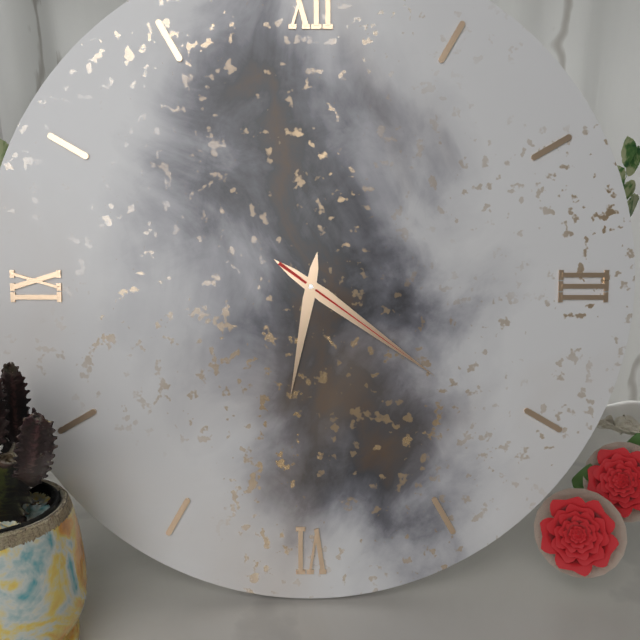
6:21:21
